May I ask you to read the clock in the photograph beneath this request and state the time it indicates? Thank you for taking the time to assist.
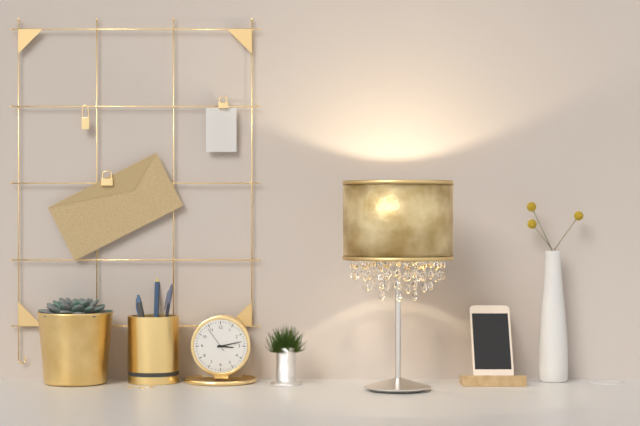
3:13
